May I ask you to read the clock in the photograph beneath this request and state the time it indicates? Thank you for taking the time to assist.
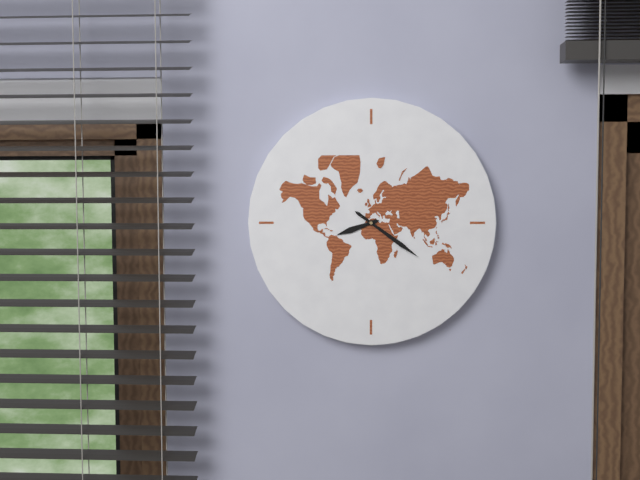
8:21
